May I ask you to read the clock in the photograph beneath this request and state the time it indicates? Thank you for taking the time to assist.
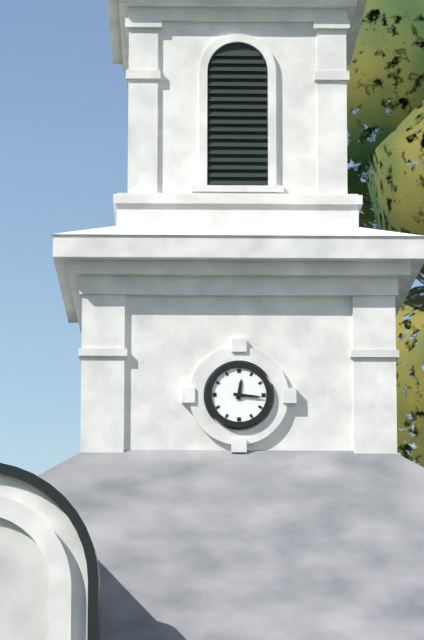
12:16
